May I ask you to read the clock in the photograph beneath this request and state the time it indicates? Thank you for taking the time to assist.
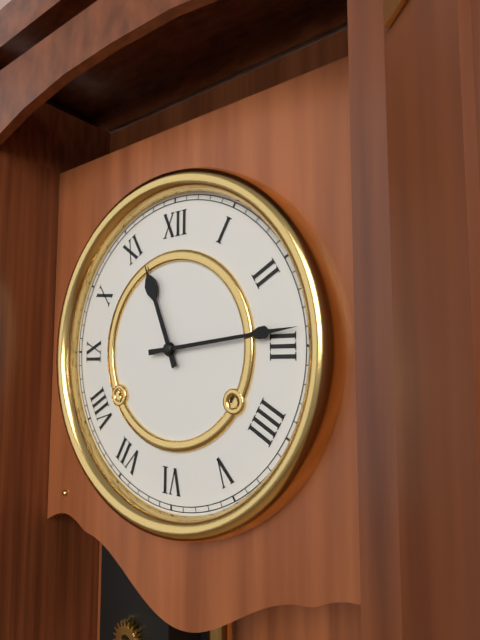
11:14
